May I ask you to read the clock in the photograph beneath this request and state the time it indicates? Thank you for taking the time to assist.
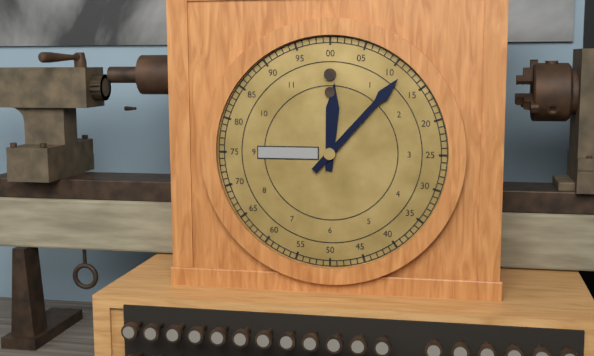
12:07
